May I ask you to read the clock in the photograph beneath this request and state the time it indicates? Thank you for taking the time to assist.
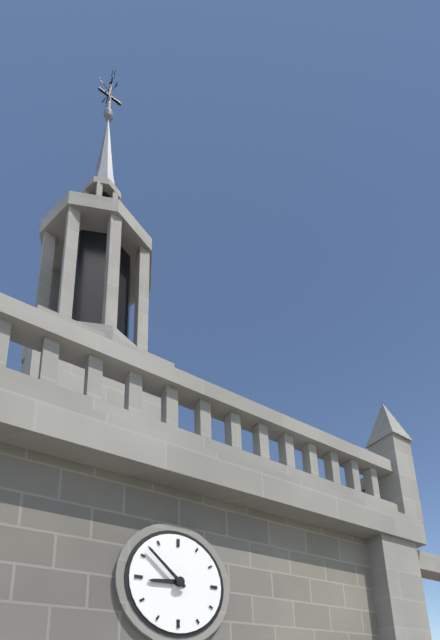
8:52
